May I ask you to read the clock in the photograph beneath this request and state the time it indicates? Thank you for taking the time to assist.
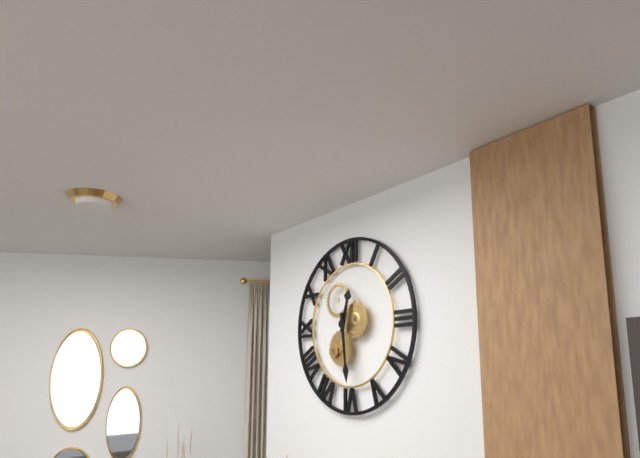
12:29
